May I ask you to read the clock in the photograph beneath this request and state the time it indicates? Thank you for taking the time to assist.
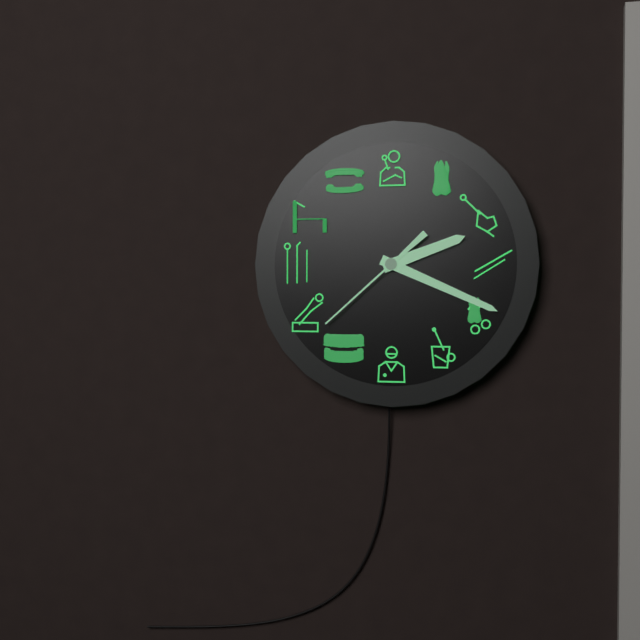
2:19:38
